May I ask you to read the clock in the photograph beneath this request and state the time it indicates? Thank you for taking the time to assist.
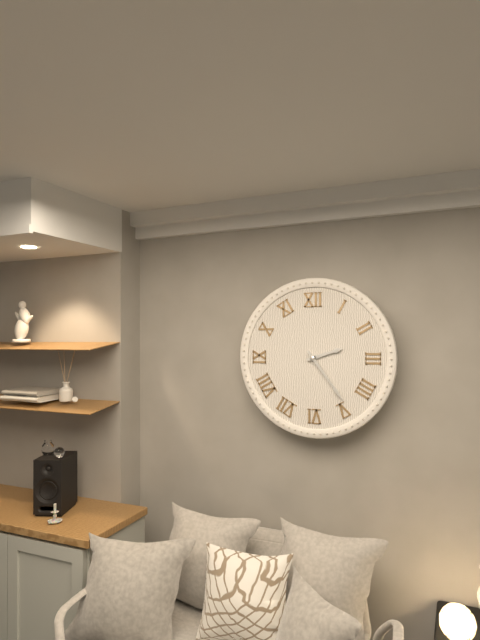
2:24
